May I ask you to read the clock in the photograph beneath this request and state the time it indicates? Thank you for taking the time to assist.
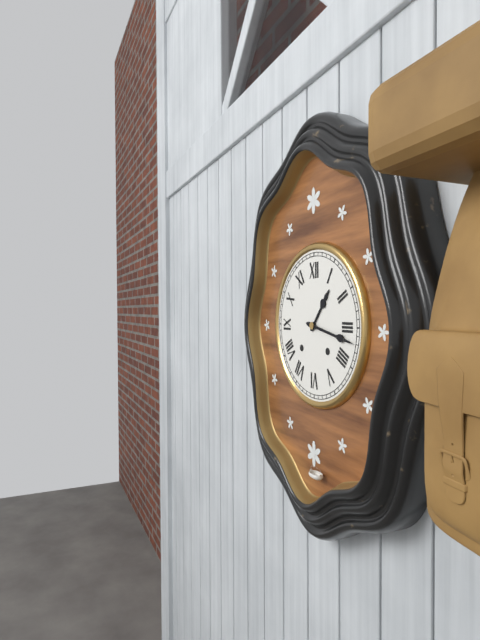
1:17
